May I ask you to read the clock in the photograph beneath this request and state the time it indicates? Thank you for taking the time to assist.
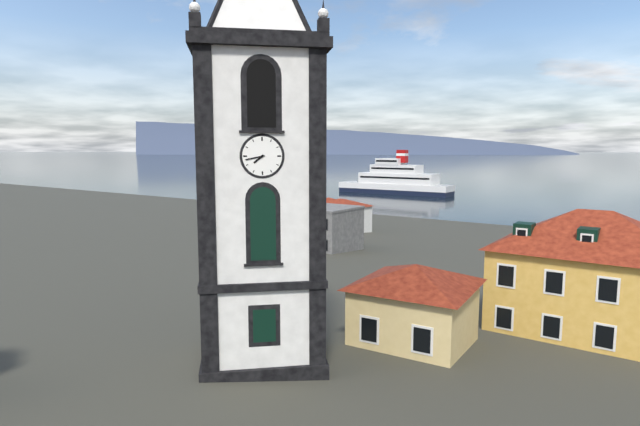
7:43
